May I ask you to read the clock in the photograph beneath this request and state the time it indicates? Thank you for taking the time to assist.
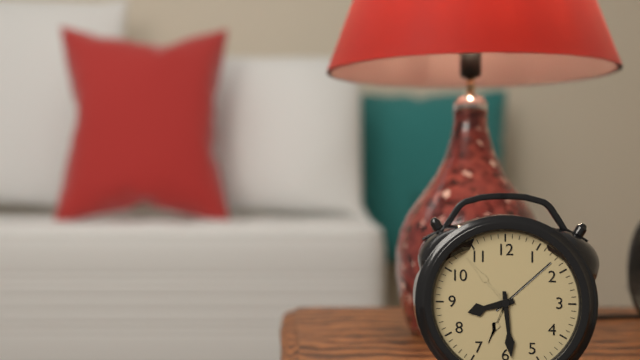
8:29
